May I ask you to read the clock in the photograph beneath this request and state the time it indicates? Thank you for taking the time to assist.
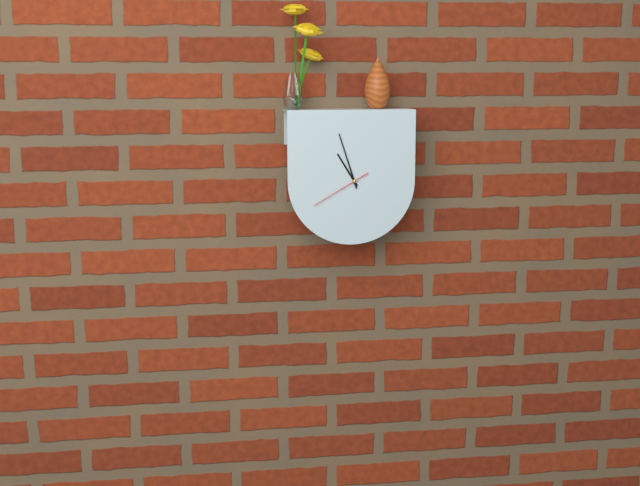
10:57:40
